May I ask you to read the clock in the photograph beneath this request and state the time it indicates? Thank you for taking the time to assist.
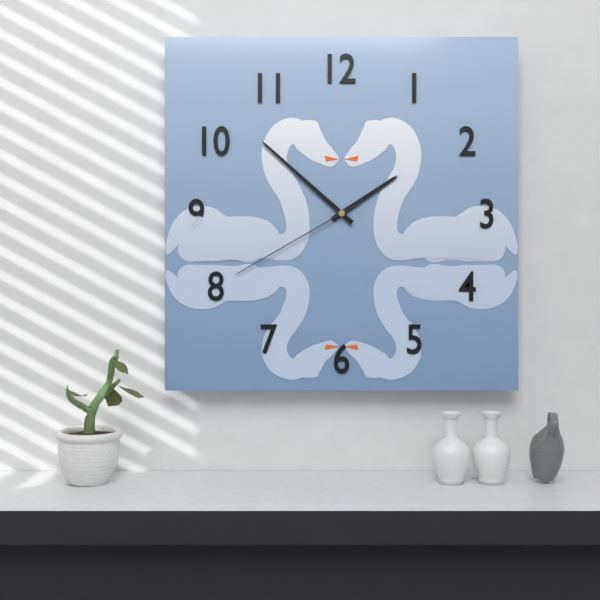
1:52:40
